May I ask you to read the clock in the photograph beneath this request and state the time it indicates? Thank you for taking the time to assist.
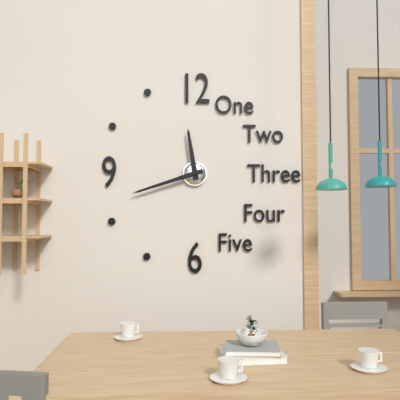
11:42
